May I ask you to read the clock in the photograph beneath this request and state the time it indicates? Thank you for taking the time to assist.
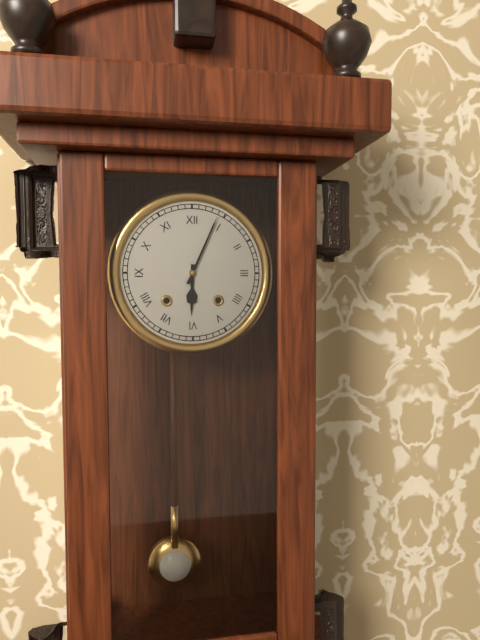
6:04
